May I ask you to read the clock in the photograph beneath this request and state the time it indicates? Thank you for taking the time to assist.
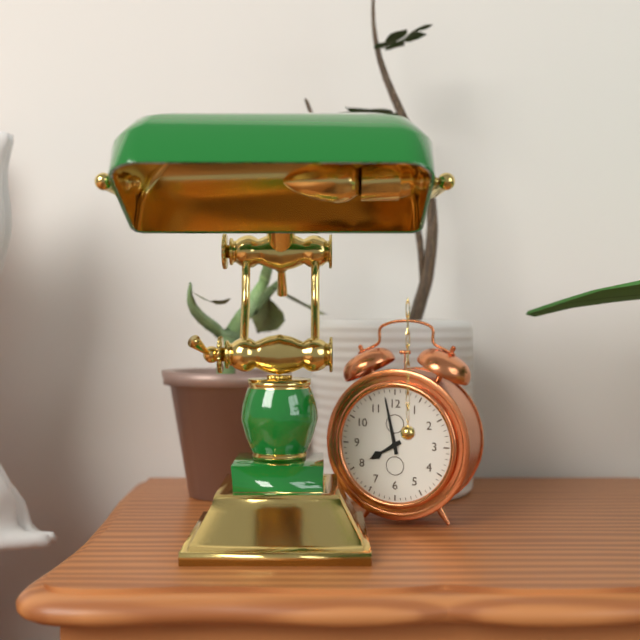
7:58
